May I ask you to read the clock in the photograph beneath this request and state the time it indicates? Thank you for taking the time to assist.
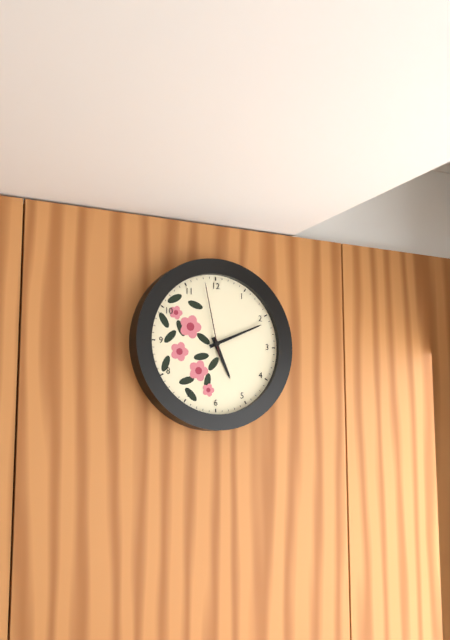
5:11:58
